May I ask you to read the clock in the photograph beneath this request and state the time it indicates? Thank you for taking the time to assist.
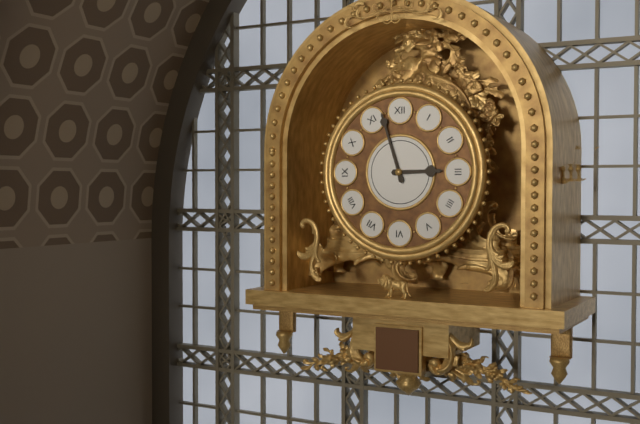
2:57
